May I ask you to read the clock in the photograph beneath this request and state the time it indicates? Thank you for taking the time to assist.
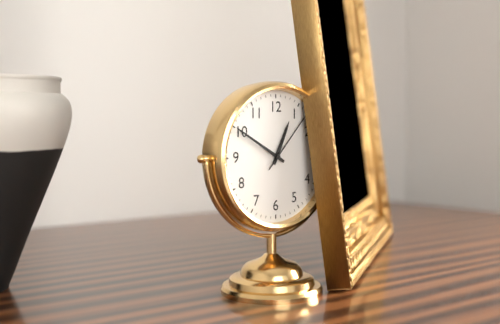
12:50:07
